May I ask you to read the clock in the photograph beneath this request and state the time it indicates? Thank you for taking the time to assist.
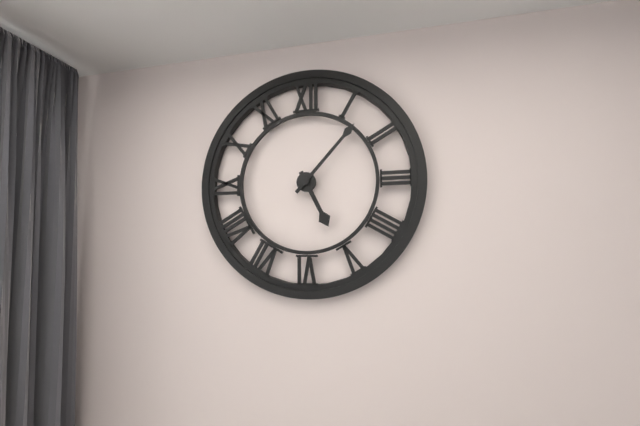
5:07
